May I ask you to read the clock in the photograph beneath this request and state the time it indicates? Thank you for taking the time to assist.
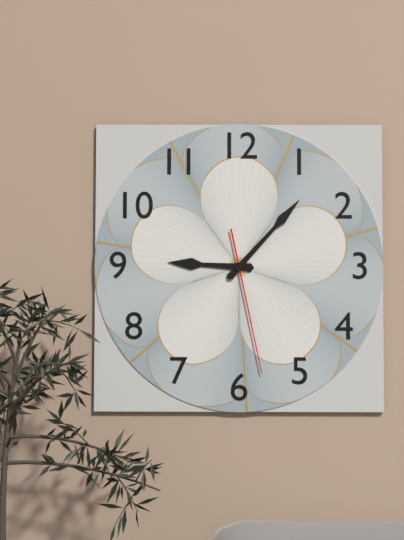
9:07:28
